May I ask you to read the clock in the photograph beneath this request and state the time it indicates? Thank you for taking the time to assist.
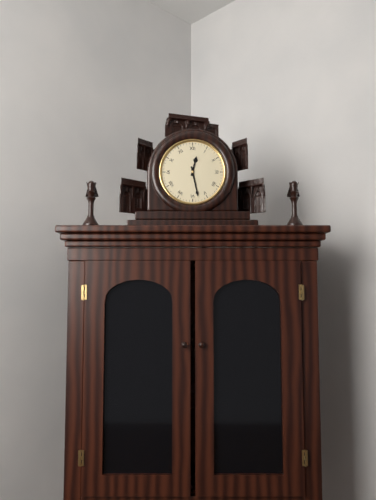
12:28
